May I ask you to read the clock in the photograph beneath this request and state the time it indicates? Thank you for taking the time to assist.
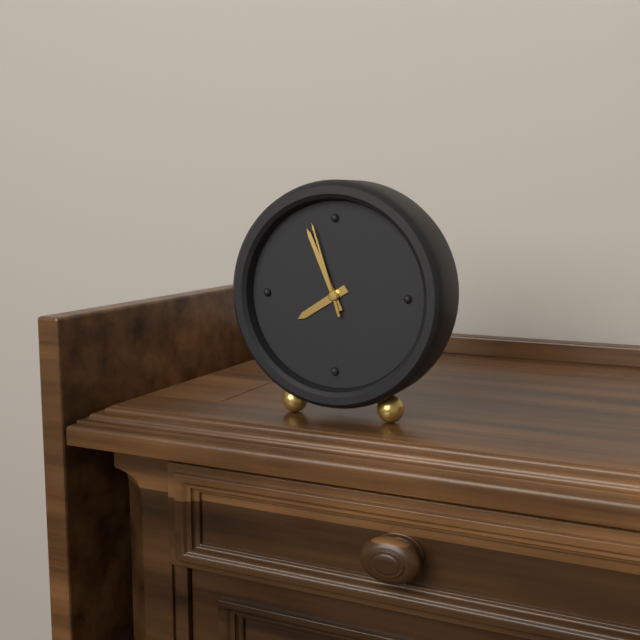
7:56:57
